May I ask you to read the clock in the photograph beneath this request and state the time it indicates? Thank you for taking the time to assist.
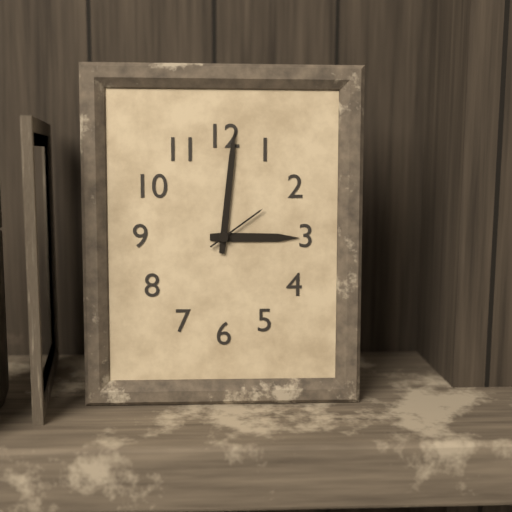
3:01:09
